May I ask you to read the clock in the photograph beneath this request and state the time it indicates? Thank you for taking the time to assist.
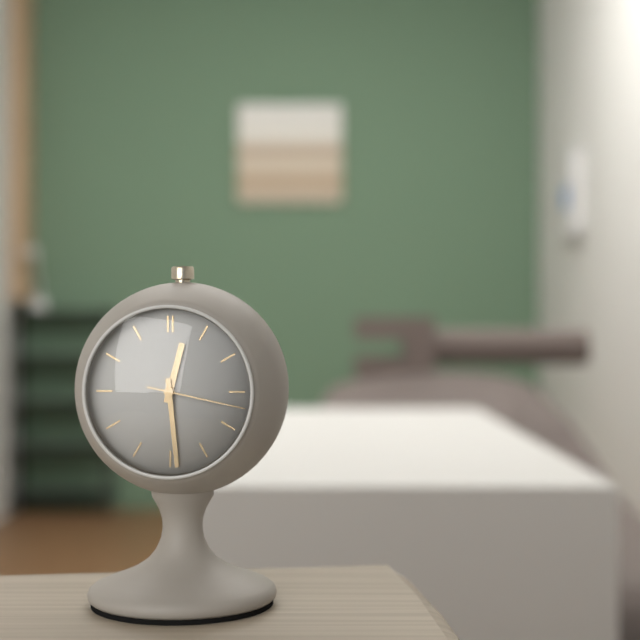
12:29:17
